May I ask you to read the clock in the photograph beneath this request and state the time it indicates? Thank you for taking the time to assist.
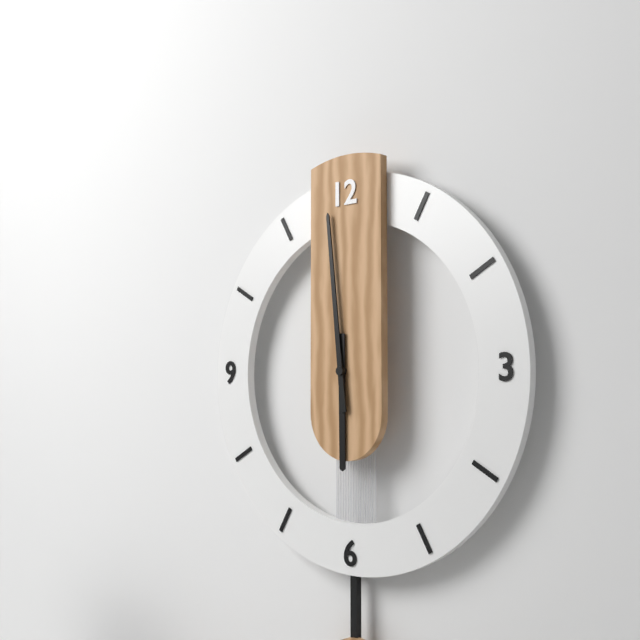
5:59
